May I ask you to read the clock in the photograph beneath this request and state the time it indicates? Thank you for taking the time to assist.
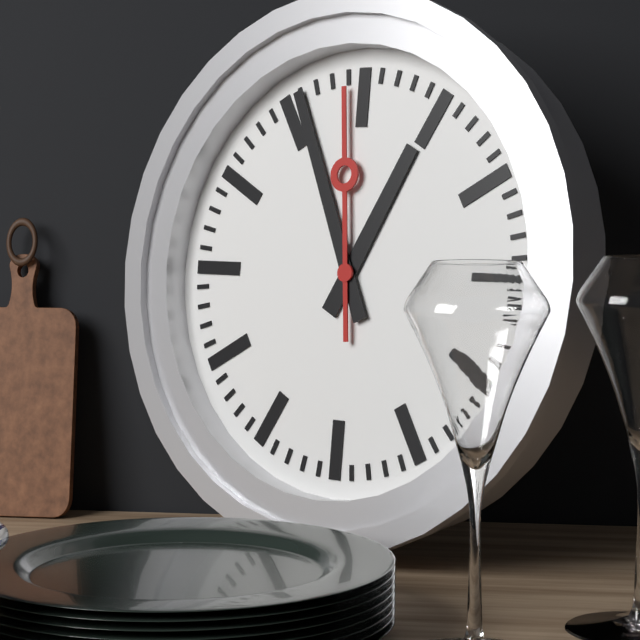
12:56:59
